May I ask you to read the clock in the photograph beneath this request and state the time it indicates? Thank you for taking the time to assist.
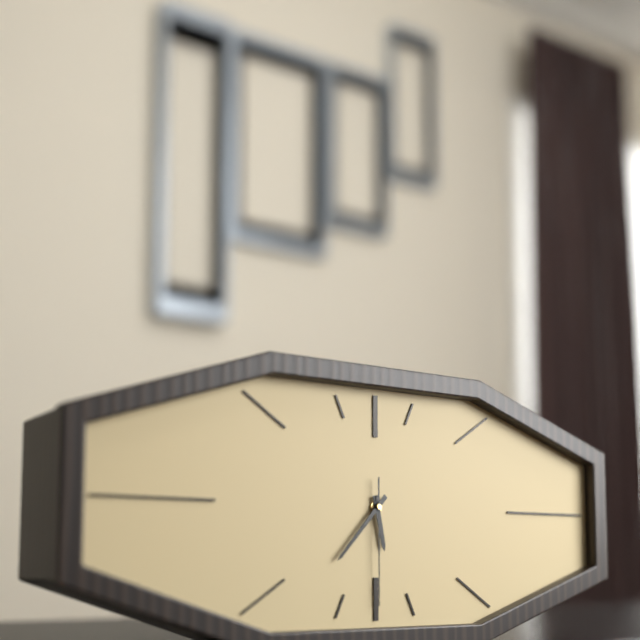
5:37:30
